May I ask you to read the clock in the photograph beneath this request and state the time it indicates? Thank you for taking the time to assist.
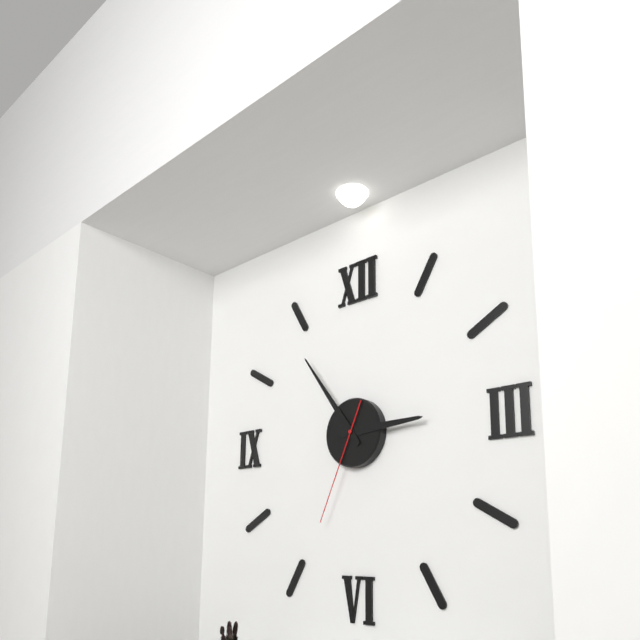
2:54:34
